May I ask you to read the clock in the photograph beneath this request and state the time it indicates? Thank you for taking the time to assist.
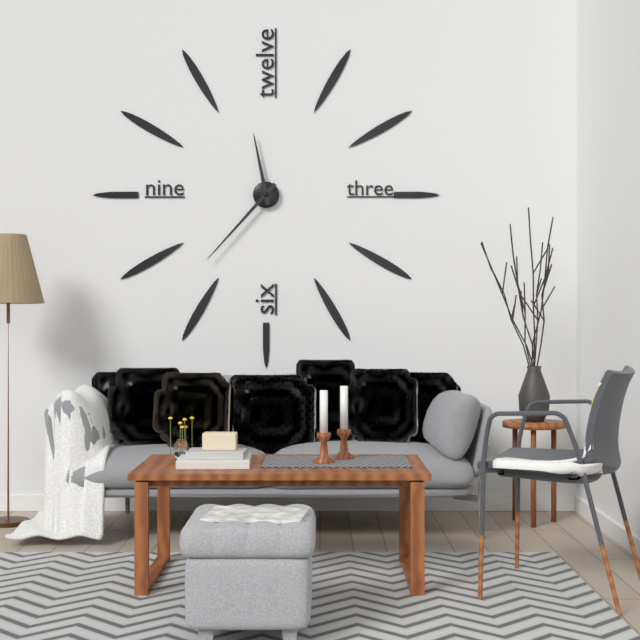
11:37
